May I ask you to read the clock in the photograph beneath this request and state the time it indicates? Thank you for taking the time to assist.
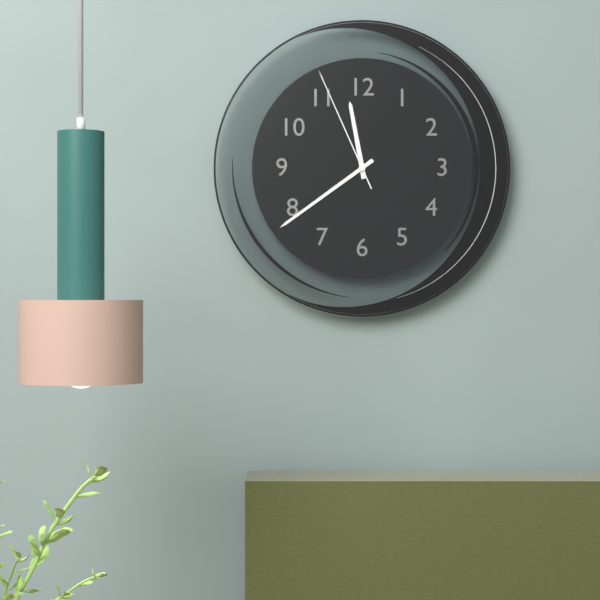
11:39:56
